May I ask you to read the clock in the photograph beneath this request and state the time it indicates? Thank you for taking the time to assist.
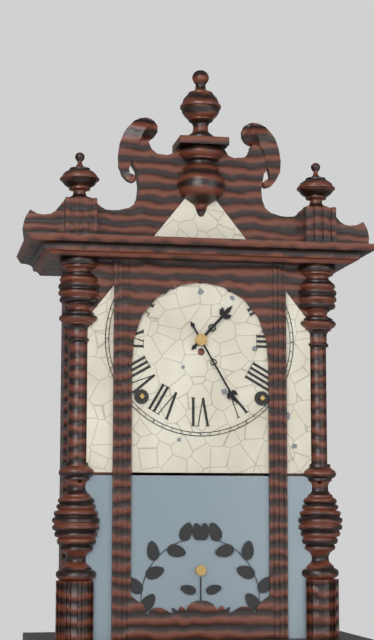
1:25
